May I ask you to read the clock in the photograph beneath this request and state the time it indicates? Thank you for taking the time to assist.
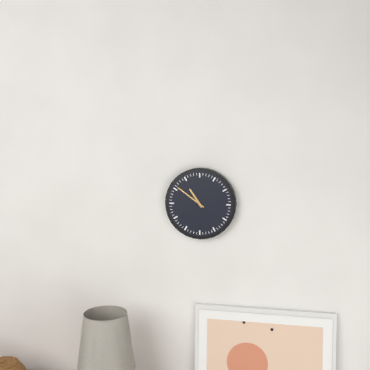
10:51
